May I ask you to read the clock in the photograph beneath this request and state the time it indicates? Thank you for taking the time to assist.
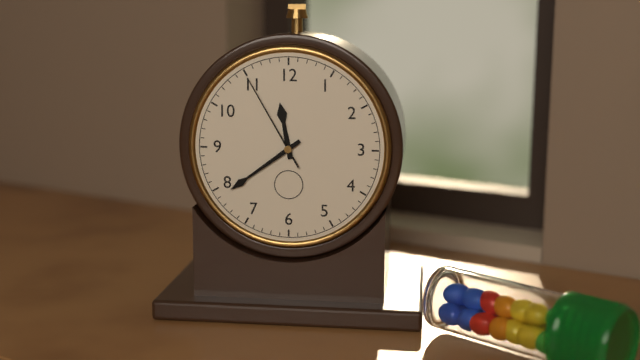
11:39:55
